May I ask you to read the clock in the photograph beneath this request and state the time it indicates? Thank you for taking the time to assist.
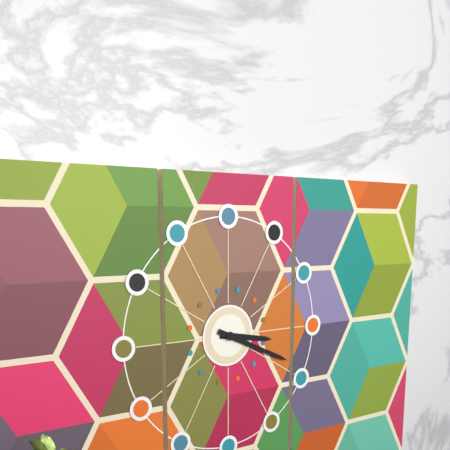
3:19
